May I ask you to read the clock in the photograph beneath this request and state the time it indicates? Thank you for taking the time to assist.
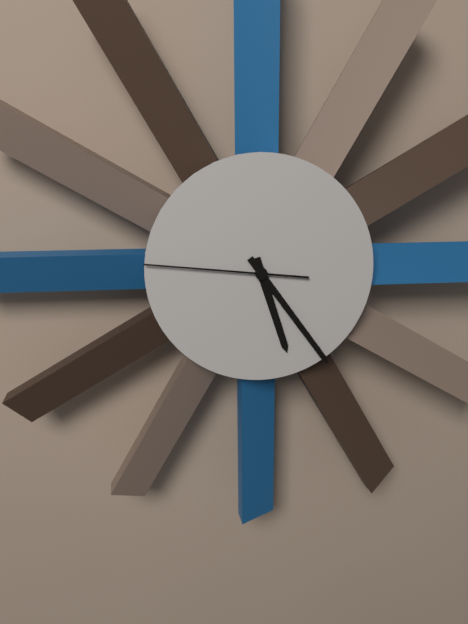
5:24:46
